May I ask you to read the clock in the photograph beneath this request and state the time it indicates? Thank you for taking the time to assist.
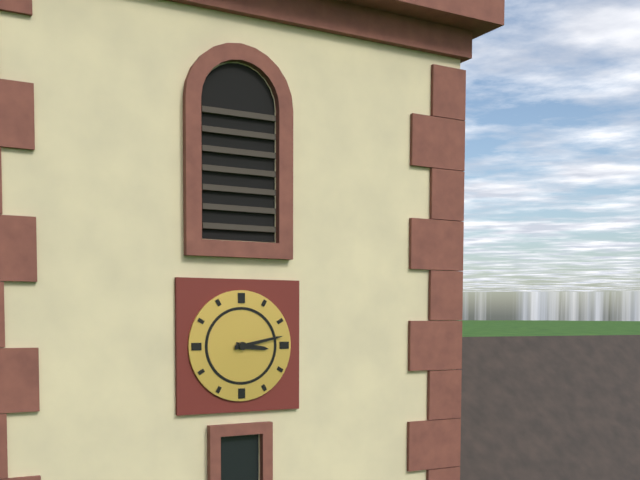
3:13
